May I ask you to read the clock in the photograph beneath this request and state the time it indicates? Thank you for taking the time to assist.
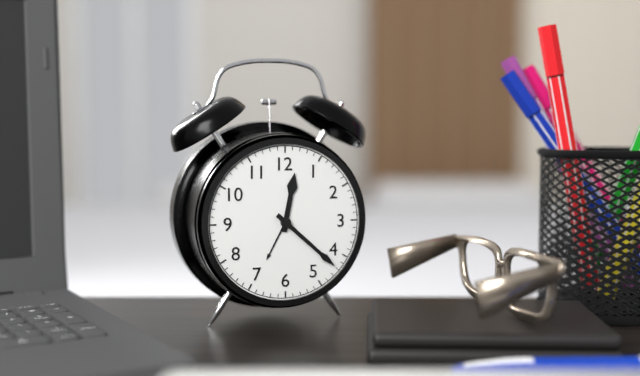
12:22
